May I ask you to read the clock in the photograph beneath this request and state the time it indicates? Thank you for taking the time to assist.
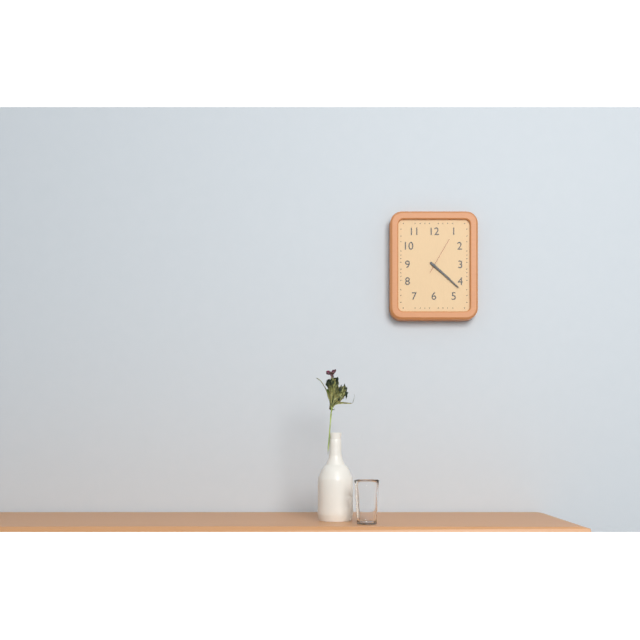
4:22
